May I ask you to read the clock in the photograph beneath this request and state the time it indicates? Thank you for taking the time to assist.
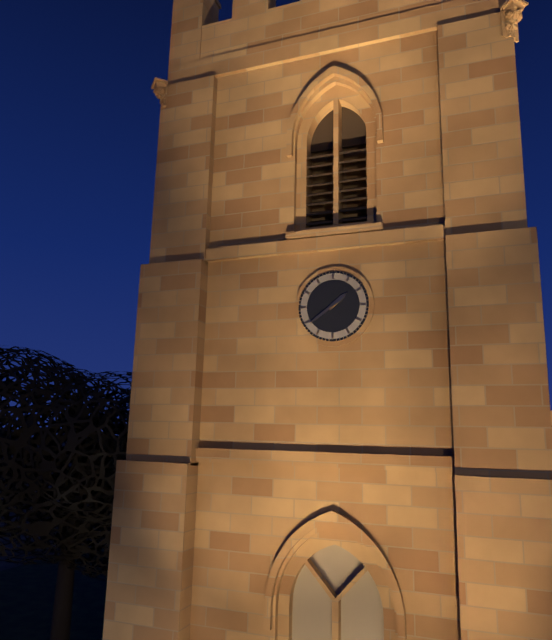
1:39
